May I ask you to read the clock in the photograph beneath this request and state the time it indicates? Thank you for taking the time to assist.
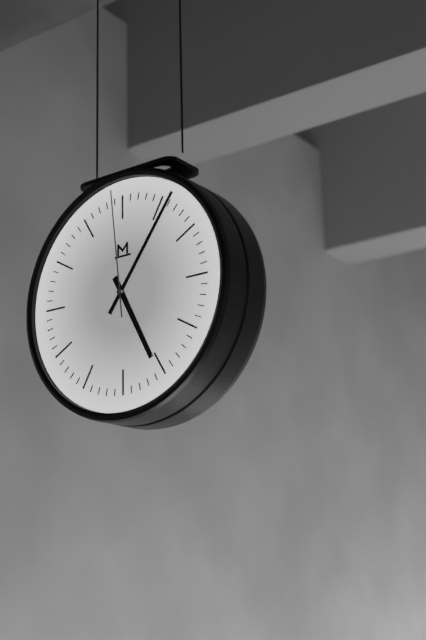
5:06:59
